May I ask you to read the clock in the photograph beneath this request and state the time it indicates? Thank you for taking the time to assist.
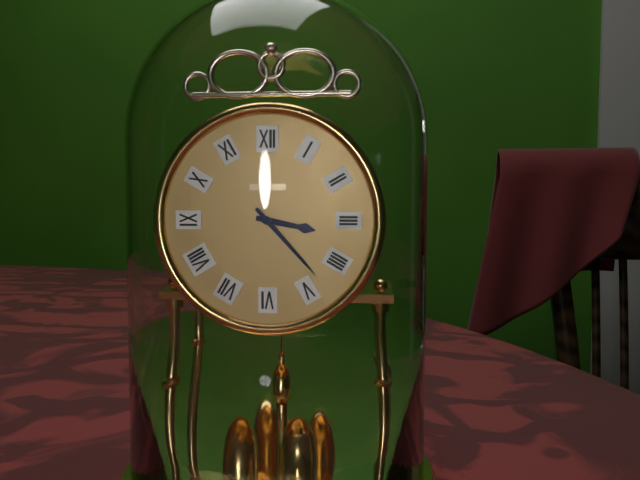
3:23
